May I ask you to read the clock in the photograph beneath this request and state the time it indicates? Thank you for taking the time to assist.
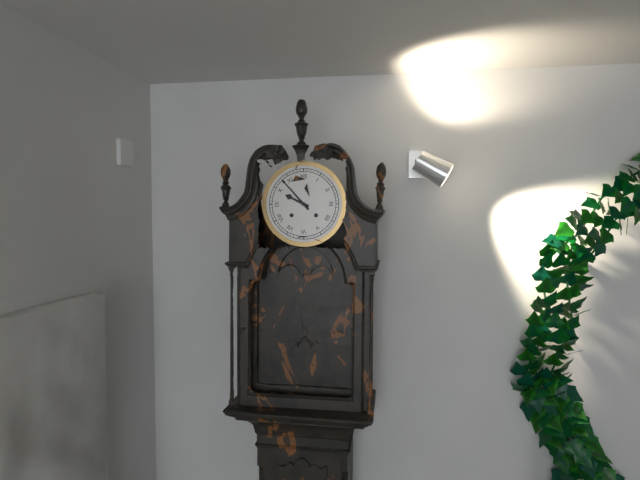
9:53
